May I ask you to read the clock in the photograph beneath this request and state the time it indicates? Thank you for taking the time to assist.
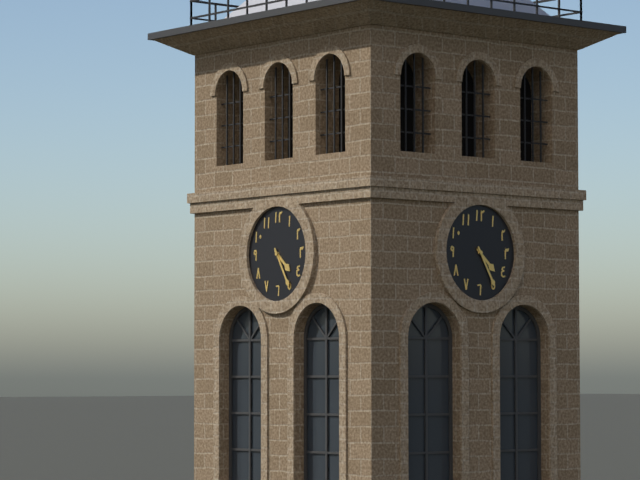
4:25
